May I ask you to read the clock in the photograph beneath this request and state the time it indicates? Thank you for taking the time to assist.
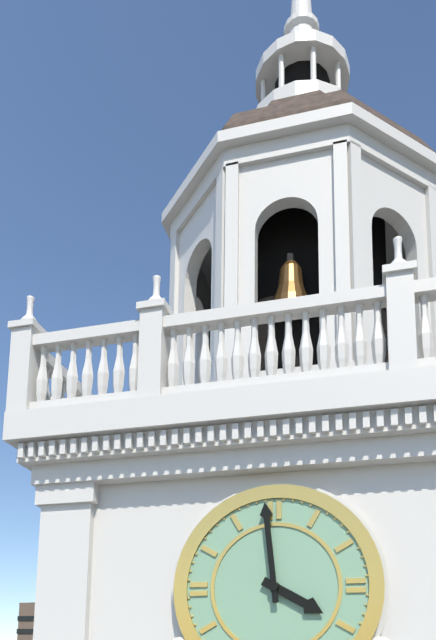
3:59
